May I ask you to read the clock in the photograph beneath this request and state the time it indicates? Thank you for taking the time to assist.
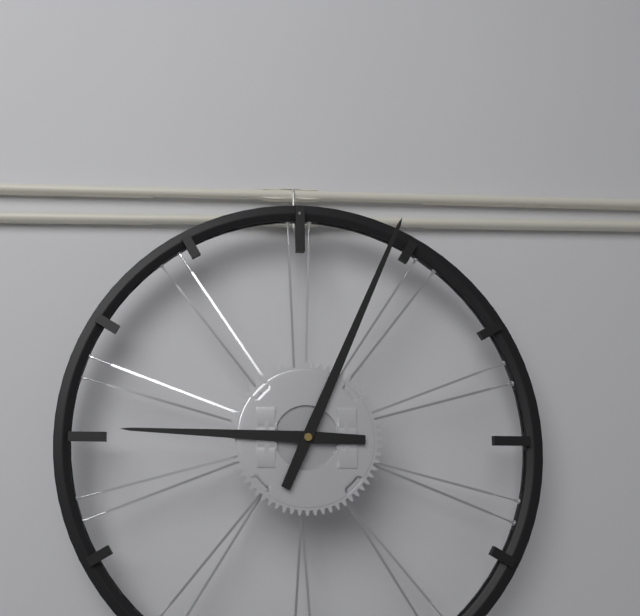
9:04
